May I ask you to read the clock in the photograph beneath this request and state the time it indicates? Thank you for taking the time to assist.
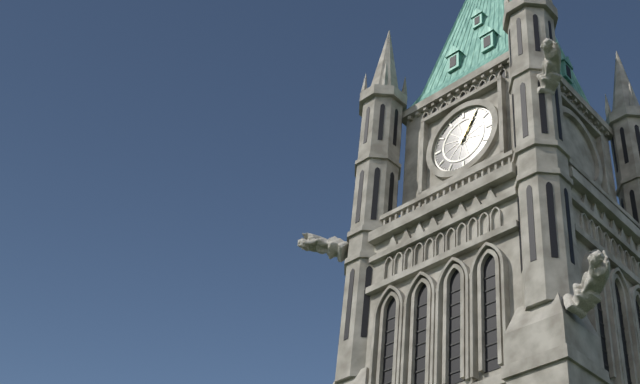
1:05
